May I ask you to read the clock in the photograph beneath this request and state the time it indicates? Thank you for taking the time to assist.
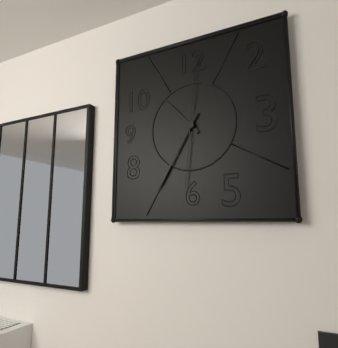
10:35:01
